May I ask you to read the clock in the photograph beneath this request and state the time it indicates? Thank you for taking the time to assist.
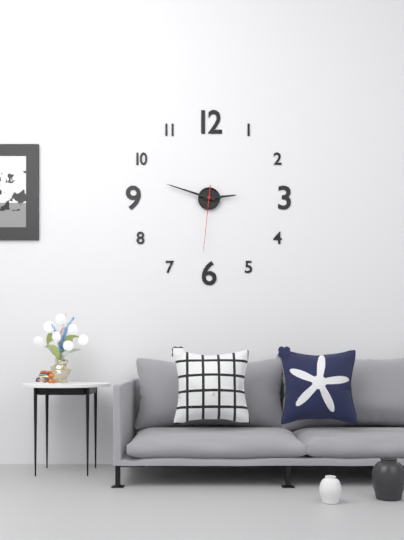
2:48:31
